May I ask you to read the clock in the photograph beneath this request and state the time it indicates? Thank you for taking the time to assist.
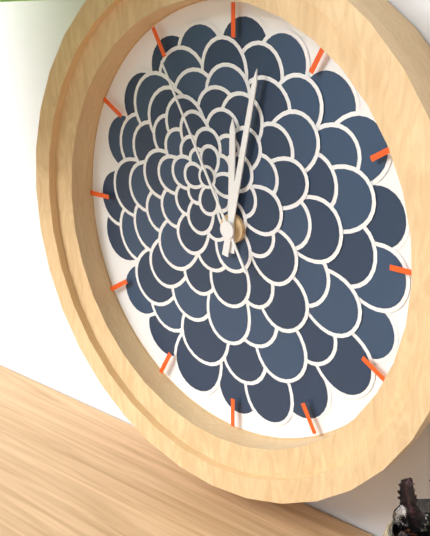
12:02:55
